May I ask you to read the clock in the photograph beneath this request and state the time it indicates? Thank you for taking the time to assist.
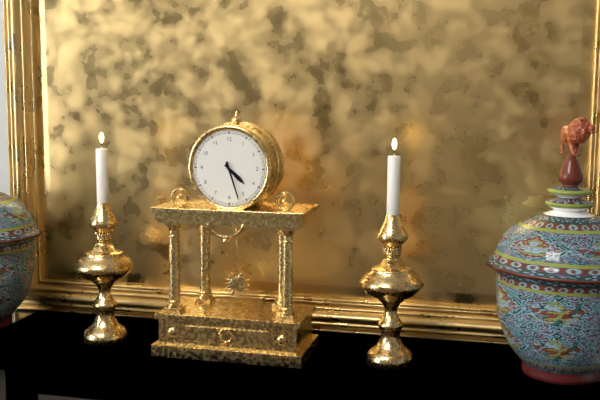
4:27
